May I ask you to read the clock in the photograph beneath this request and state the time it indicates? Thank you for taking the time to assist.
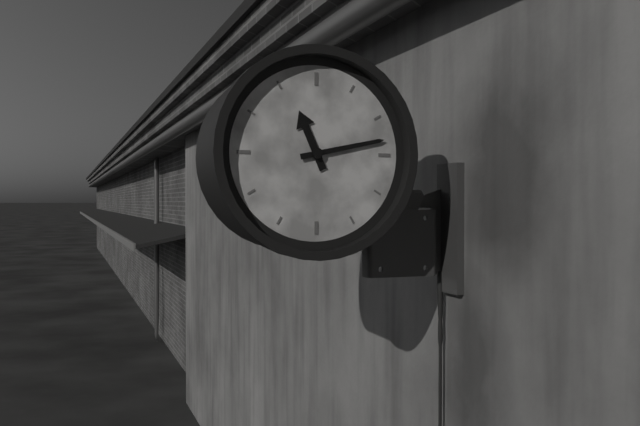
11:13
